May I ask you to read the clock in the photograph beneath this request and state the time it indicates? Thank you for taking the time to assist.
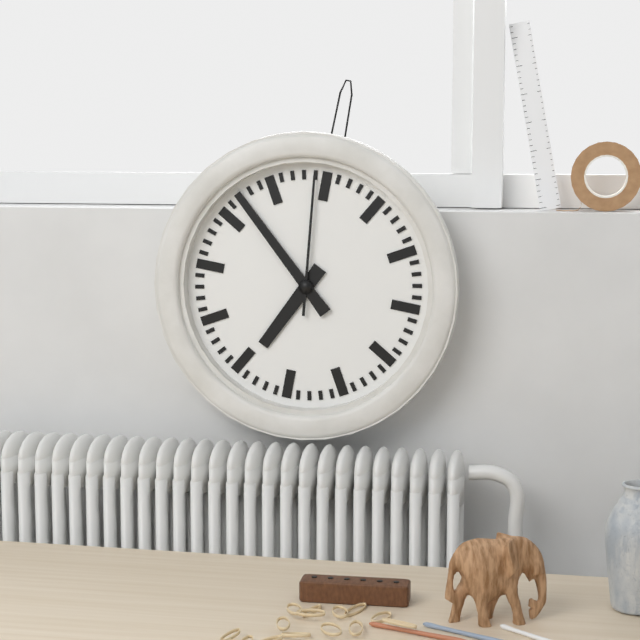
6:52:59
